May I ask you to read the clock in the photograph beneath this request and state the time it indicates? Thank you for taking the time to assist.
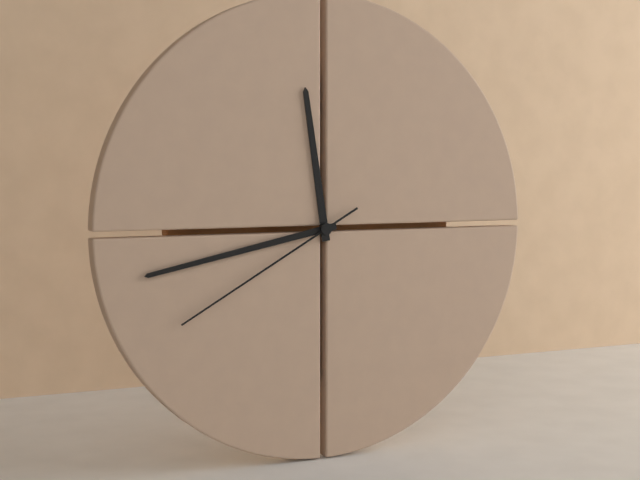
11:43:40
